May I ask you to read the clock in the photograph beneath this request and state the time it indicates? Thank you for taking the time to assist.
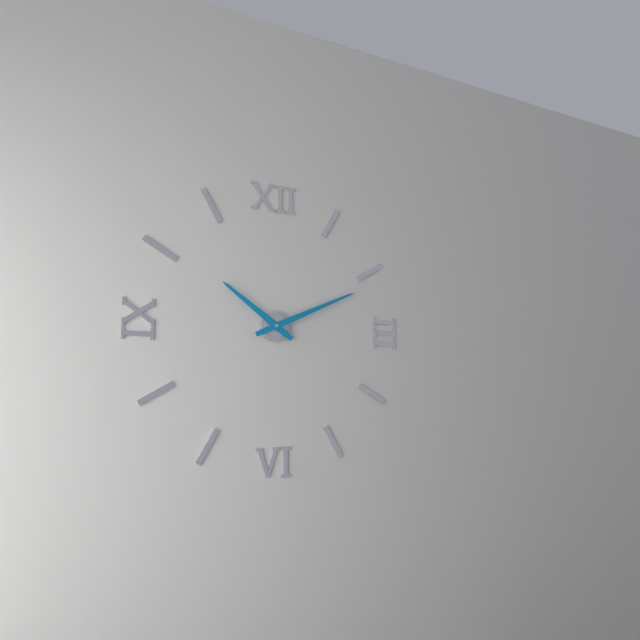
10:11
